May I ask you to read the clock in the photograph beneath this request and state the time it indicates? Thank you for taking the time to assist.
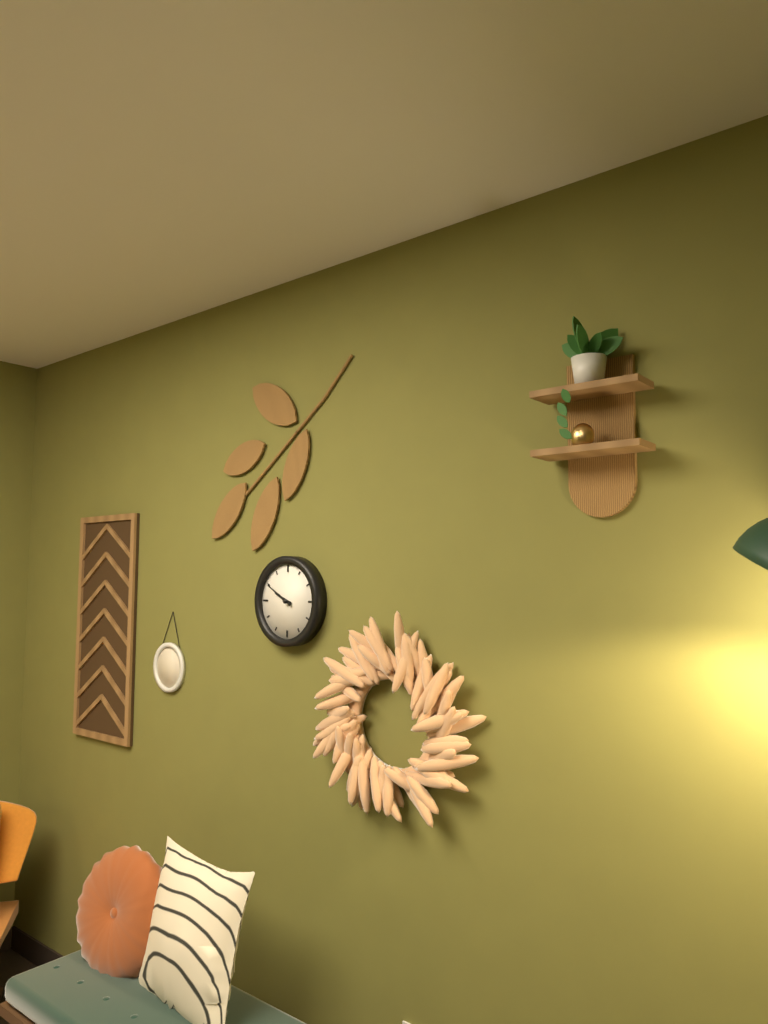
9:50
